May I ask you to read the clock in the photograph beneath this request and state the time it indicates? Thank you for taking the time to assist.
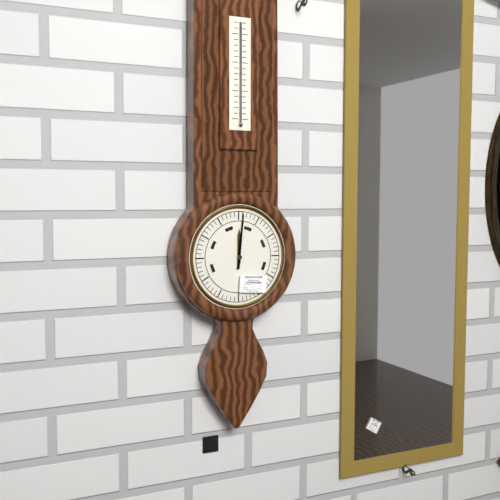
12:01
